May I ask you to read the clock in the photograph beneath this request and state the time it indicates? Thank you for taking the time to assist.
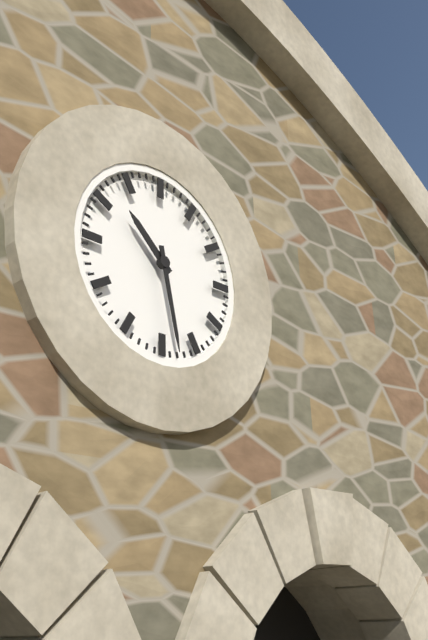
10:28
